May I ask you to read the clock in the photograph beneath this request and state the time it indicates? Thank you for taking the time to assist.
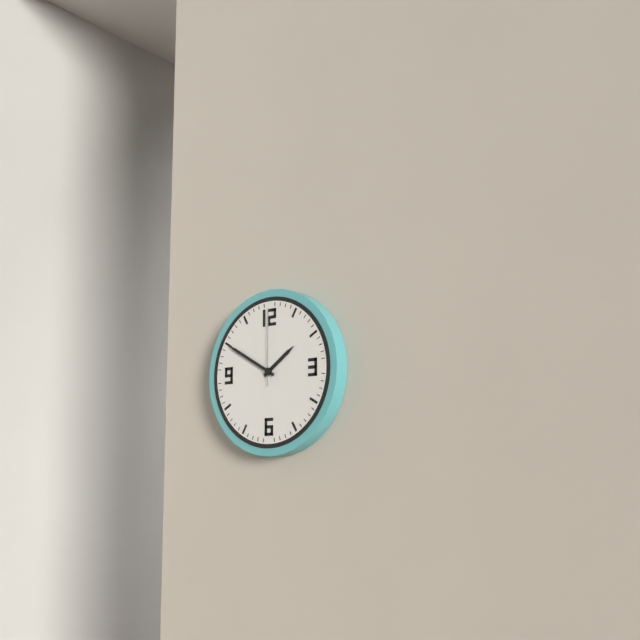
1:50:00
